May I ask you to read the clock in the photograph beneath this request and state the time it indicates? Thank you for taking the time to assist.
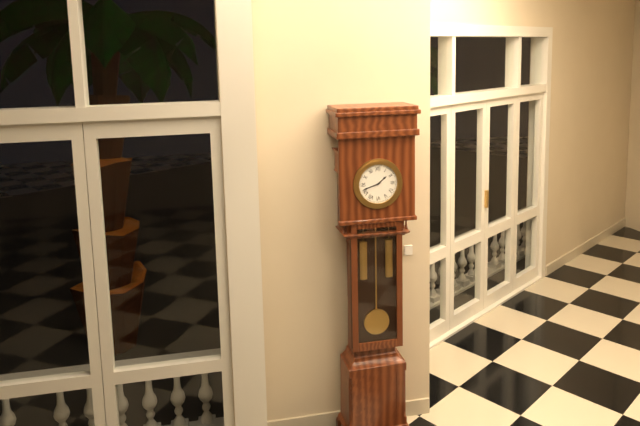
1:42
